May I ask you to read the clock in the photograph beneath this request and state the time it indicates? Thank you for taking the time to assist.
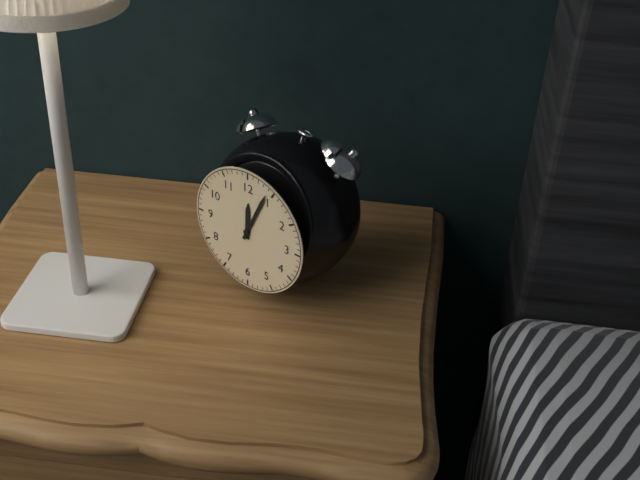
12:04
